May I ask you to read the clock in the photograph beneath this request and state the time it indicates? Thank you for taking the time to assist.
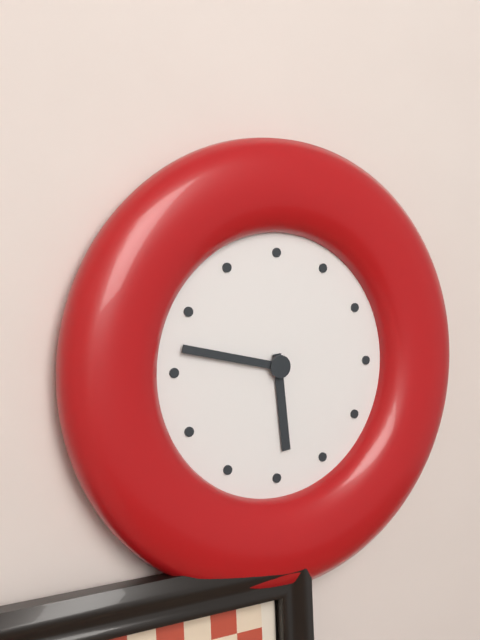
5:47
